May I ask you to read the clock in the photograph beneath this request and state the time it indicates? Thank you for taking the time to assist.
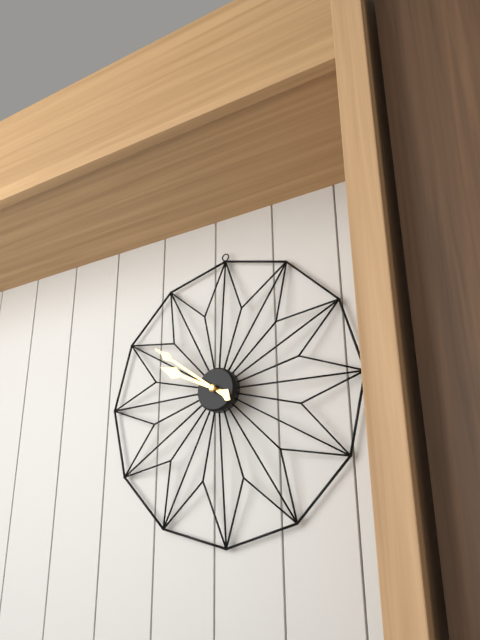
9:51
